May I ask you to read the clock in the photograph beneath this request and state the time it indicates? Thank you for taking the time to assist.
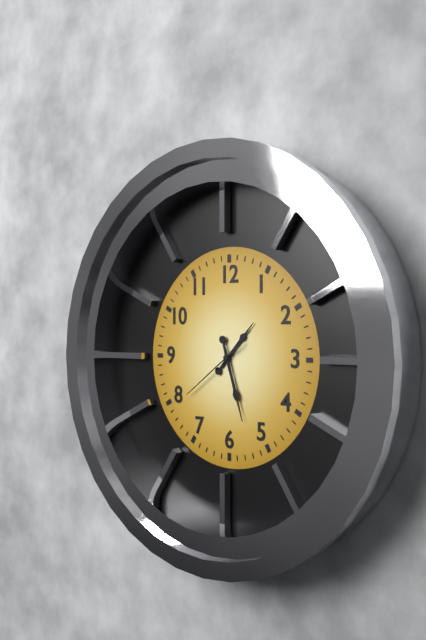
1:27:39
